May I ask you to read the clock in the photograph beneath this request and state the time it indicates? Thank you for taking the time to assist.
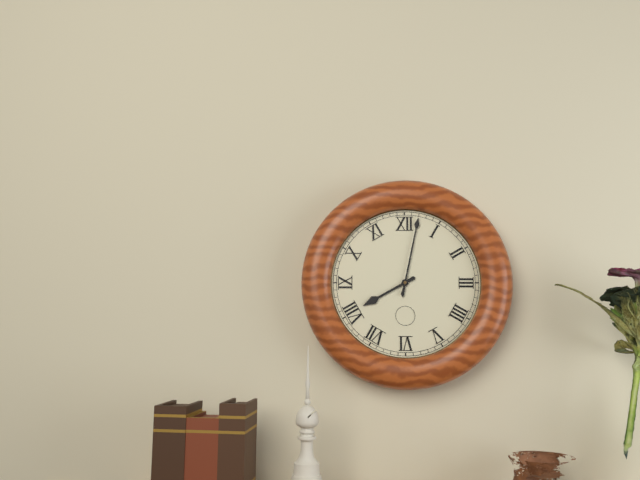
8:02
